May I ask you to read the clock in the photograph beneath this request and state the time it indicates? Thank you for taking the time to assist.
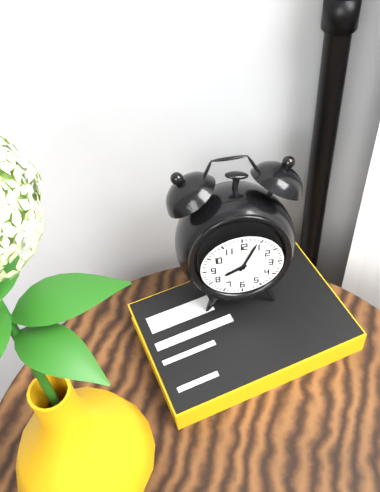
8:04
